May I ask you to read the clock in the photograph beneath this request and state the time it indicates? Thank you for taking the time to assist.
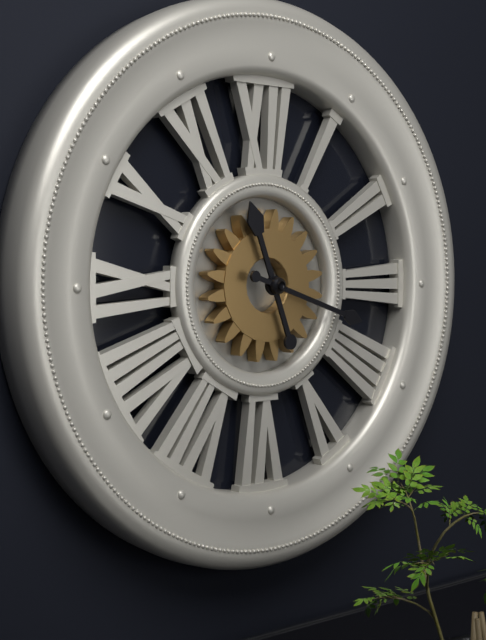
11:18
